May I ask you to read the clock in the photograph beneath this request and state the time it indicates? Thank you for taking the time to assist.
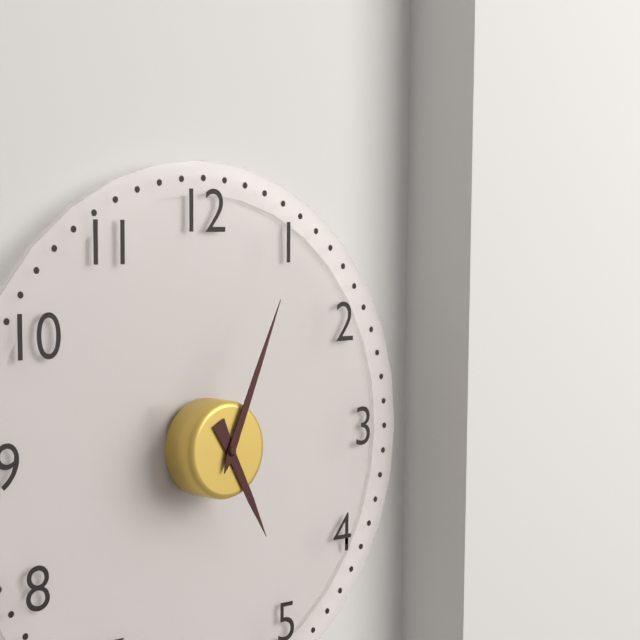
5:04
